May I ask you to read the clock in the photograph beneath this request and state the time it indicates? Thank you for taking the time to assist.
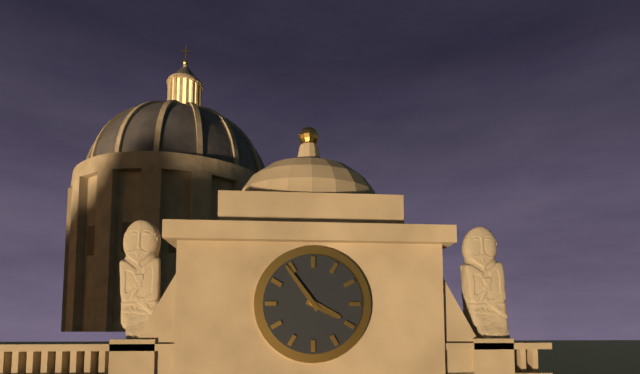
3:54
